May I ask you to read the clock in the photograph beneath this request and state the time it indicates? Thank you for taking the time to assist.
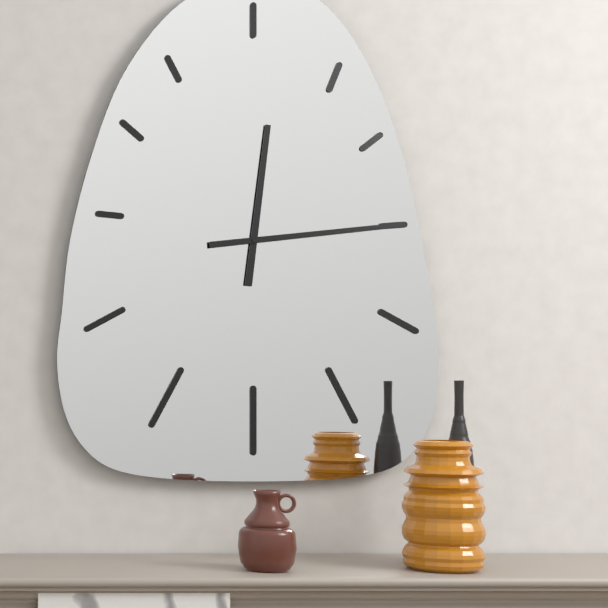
12:14
